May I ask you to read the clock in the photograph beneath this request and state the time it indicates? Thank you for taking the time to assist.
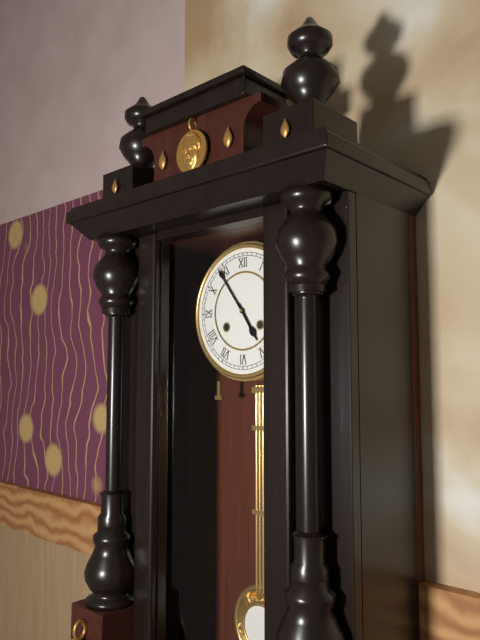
4:54
